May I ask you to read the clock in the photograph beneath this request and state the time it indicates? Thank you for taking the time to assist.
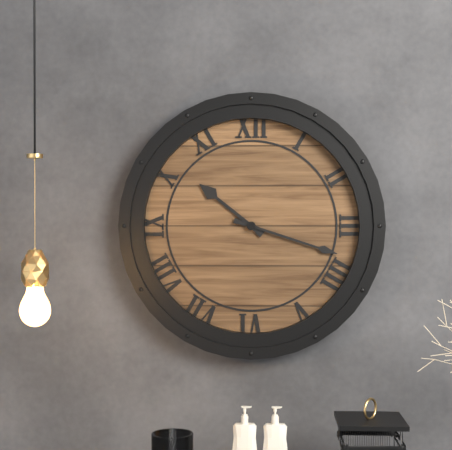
10:18
